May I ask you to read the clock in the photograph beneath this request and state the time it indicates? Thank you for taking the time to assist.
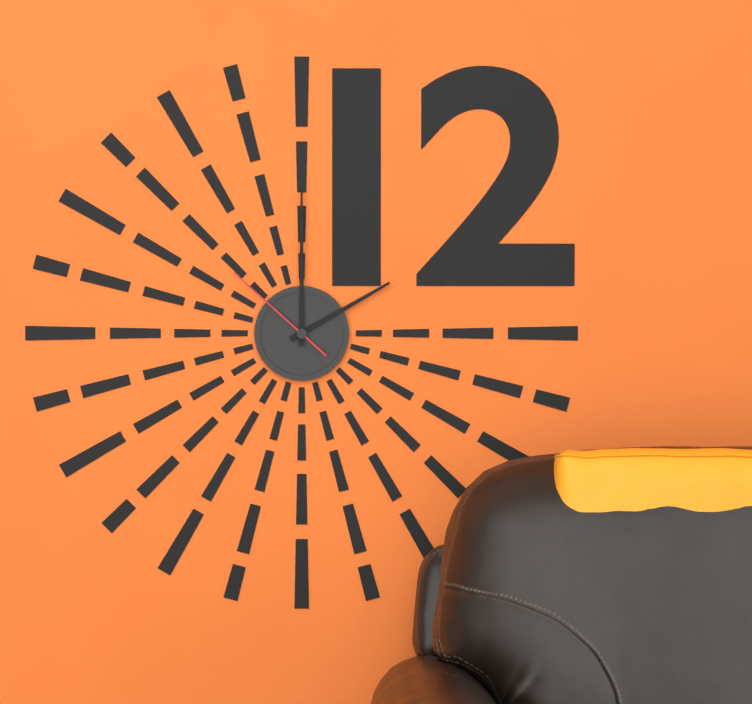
2:00:52
